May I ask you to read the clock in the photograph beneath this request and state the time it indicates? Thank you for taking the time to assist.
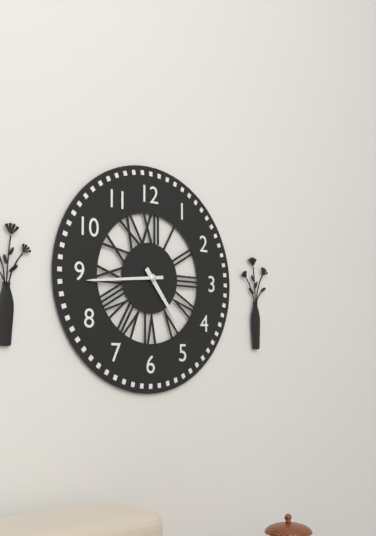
4:44
